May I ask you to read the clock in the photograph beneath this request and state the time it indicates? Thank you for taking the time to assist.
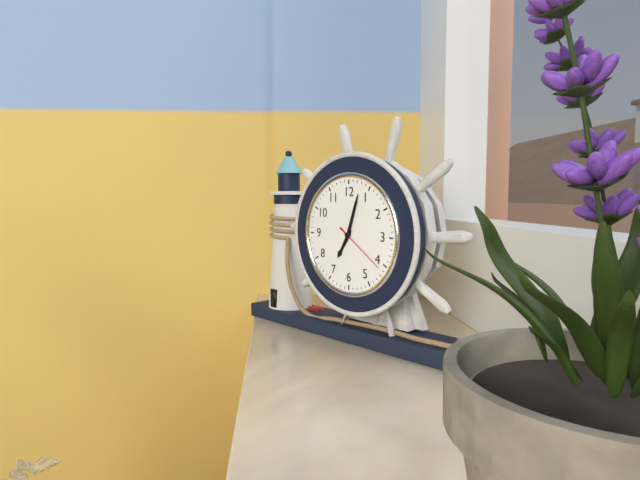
7:03:21
